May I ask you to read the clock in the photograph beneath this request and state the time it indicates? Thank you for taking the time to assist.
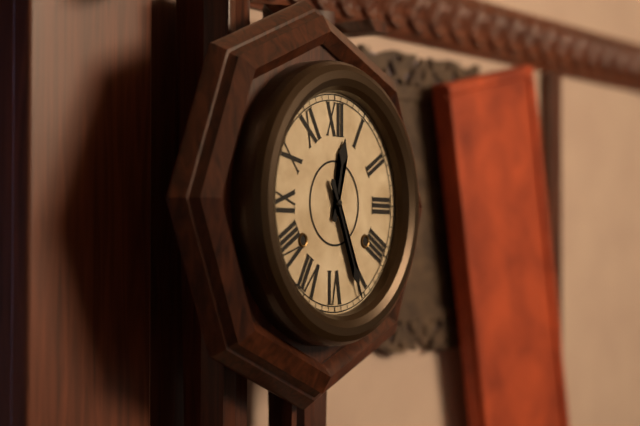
12:26
